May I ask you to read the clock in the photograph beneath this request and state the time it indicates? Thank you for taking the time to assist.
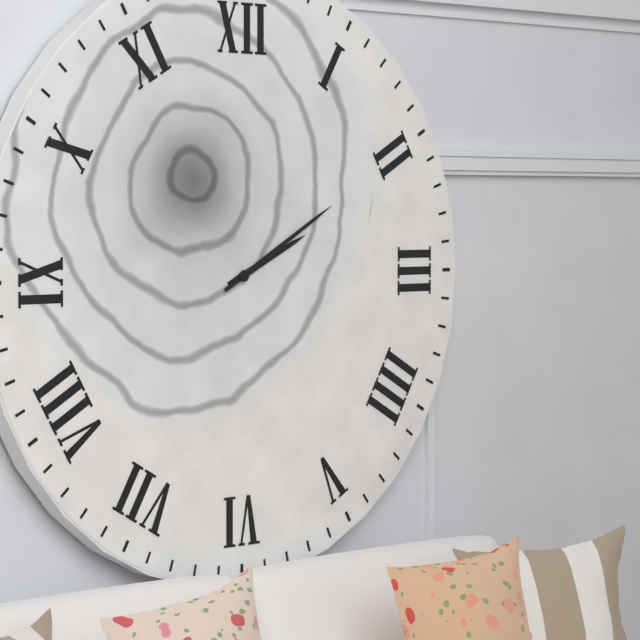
2:10
